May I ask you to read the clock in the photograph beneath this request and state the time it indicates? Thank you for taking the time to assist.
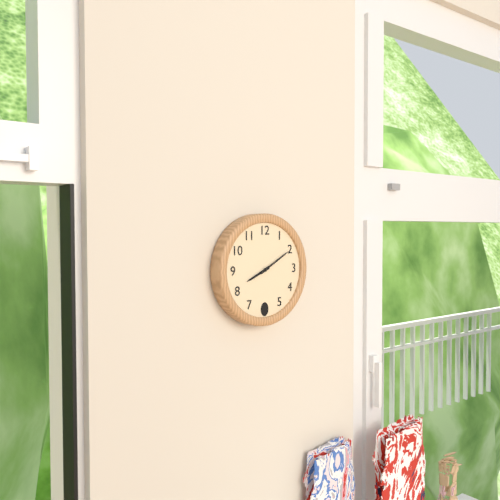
8:10
